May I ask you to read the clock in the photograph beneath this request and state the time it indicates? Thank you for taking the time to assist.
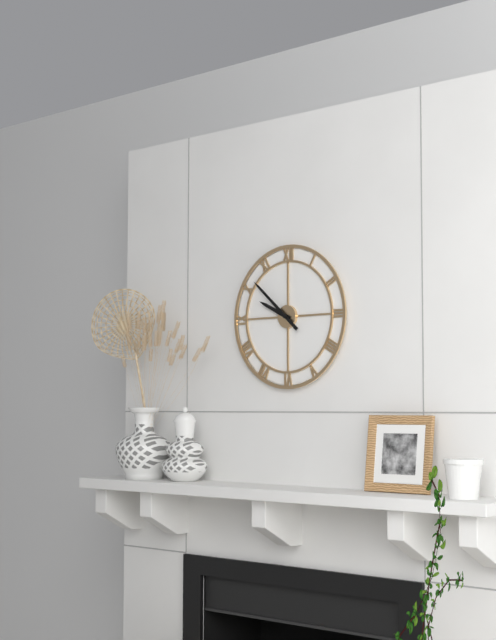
9:52
